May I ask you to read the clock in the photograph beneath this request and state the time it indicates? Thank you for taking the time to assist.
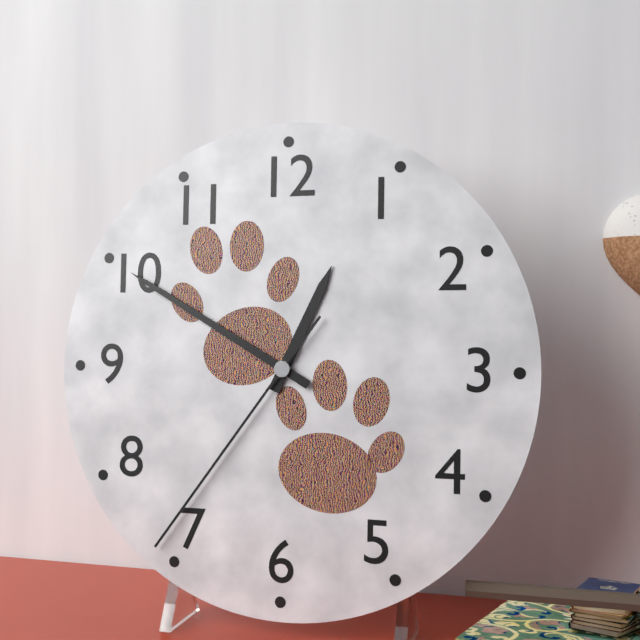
12:50:36
